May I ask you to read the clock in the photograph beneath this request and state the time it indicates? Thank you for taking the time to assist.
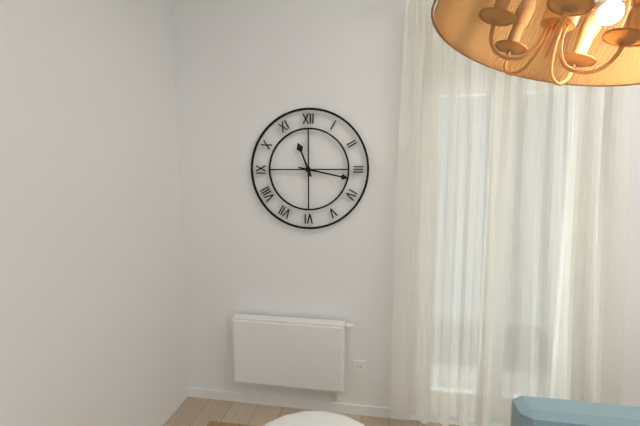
11:17
